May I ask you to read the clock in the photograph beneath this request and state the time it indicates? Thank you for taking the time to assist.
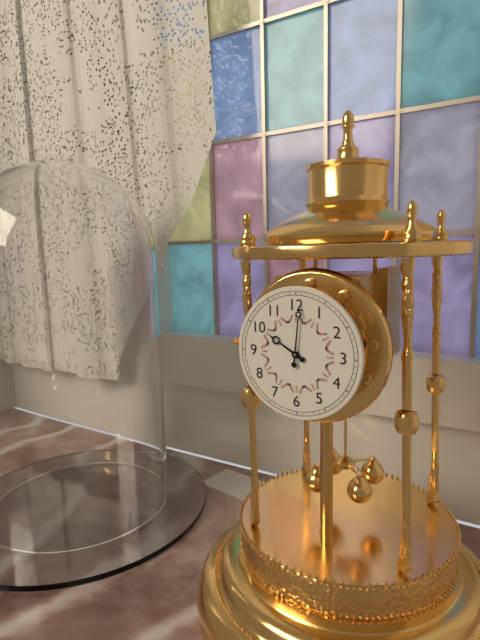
10:01
